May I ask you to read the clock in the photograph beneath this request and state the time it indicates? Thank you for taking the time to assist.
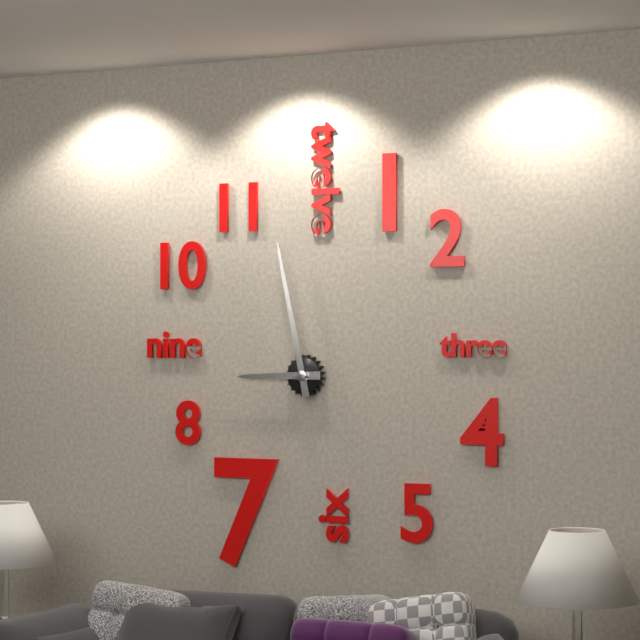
8:58
